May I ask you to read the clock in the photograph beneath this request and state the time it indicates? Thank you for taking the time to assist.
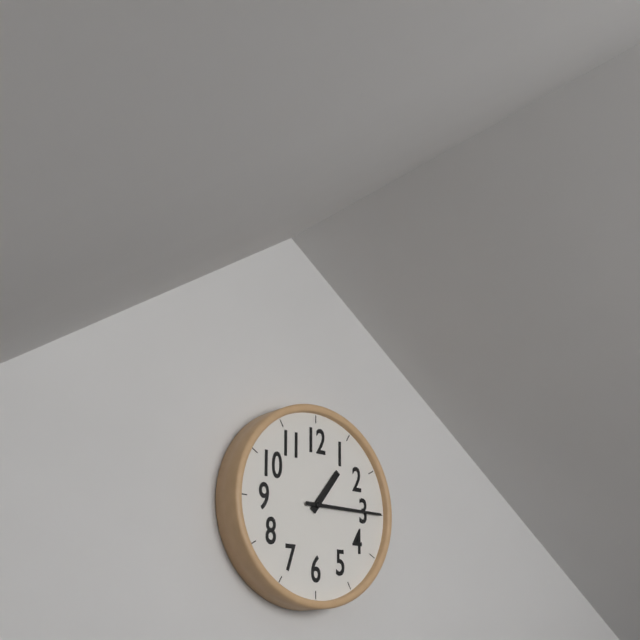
1:15
